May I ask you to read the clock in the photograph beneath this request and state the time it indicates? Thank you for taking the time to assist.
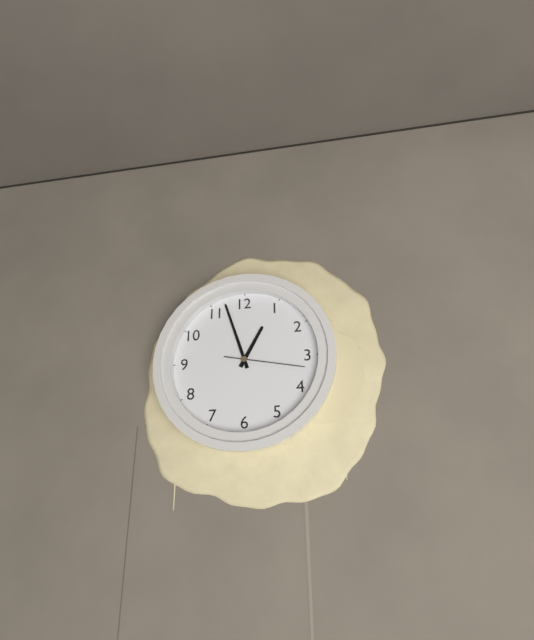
12:57:17
